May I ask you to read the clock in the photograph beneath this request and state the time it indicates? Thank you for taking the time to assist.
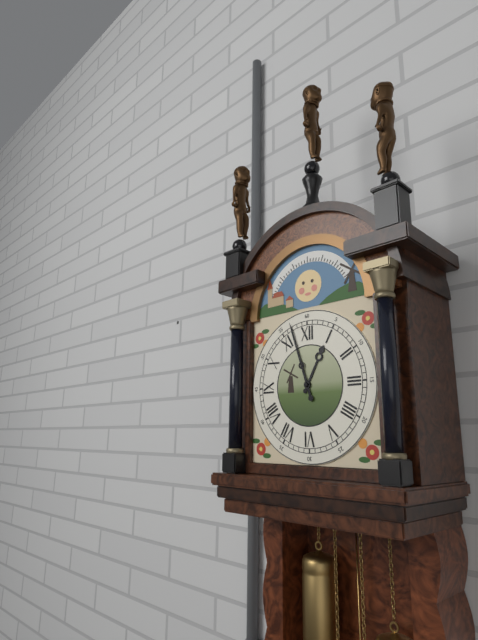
12:57
